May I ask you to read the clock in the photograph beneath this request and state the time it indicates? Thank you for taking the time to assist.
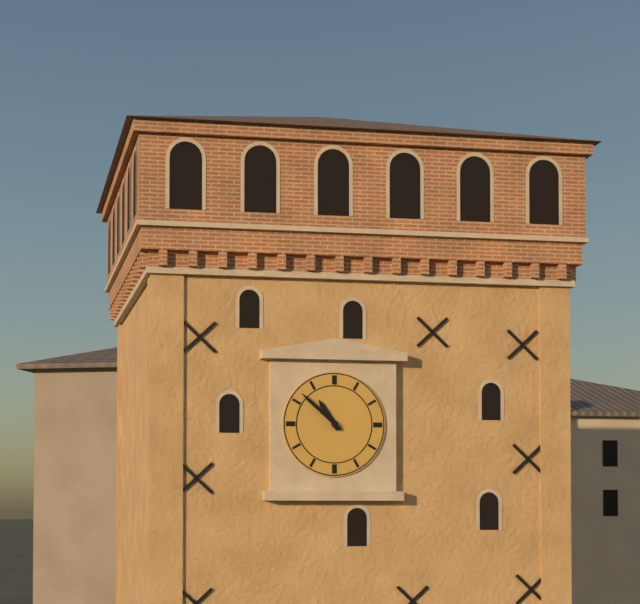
10:52
